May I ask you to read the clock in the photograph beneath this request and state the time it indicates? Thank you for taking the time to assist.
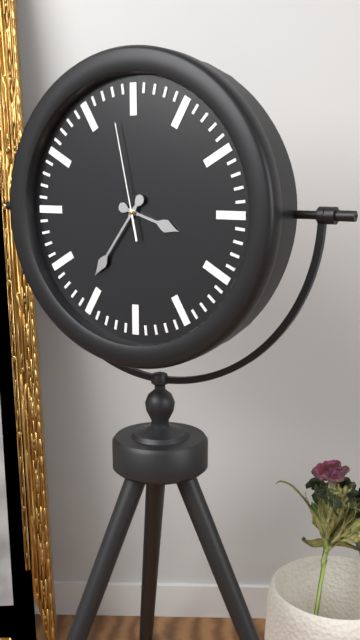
3:36:58
